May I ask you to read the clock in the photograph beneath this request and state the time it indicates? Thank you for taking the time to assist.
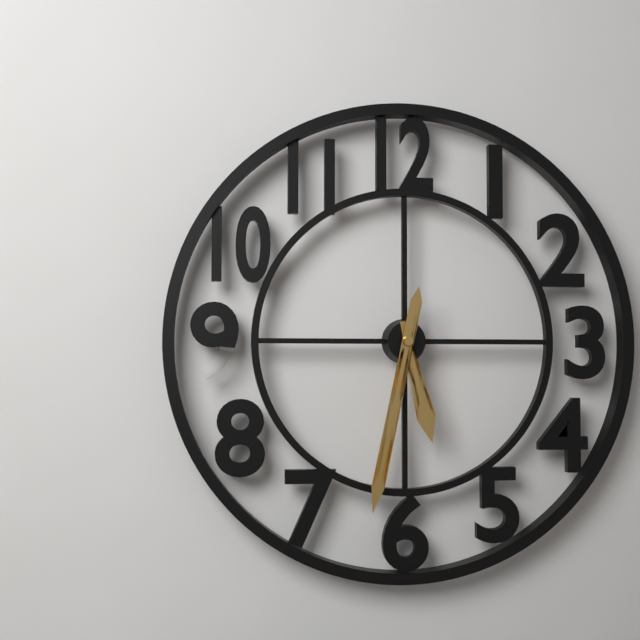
5:32
